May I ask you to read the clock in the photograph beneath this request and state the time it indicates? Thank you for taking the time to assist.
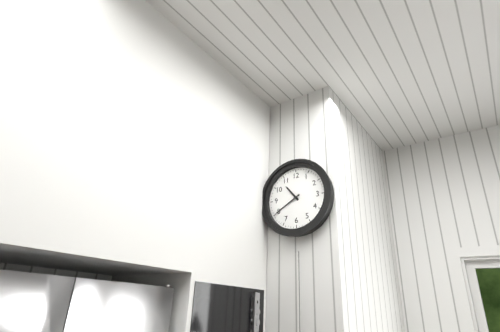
10:40
